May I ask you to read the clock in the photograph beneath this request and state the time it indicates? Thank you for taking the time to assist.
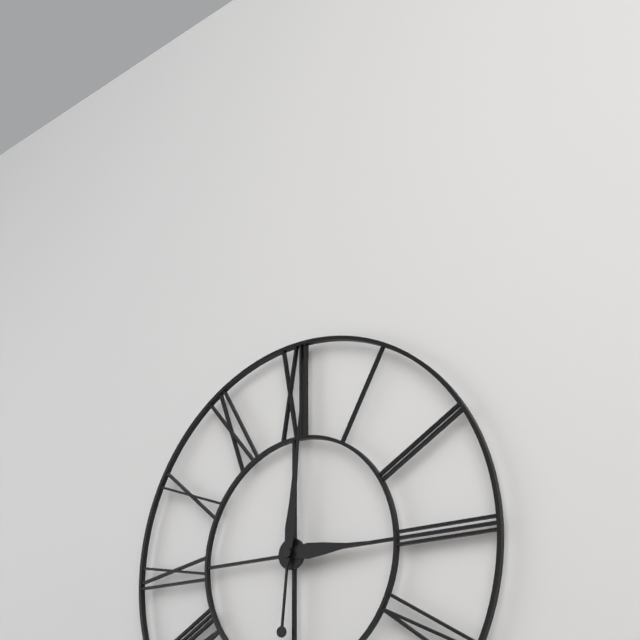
3:01
